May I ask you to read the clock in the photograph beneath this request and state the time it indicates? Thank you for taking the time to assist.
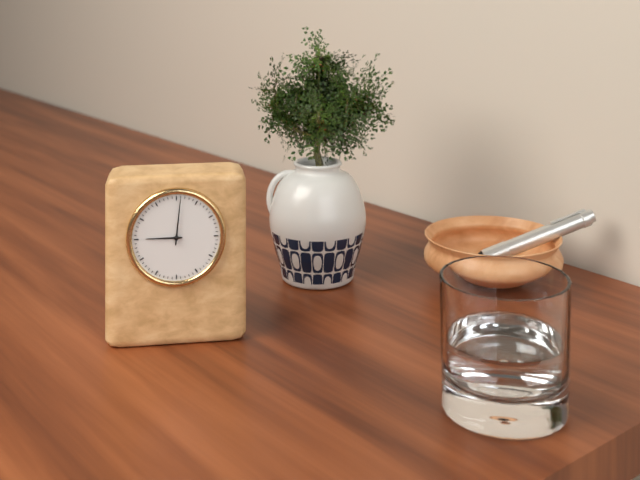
9:01
